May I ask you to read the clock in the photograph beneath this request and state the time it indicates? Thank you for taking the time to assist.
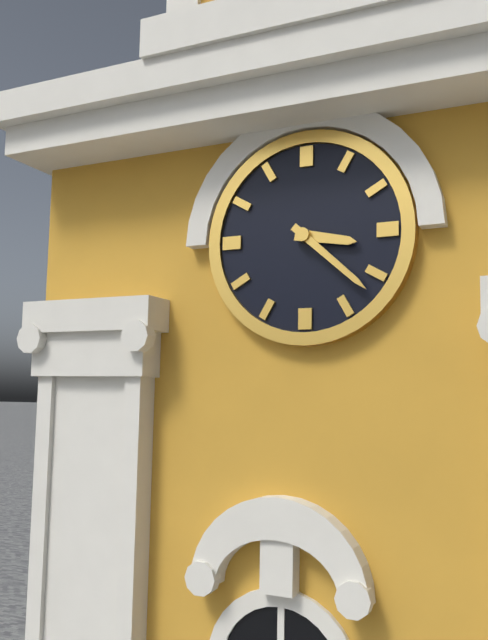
3:22
